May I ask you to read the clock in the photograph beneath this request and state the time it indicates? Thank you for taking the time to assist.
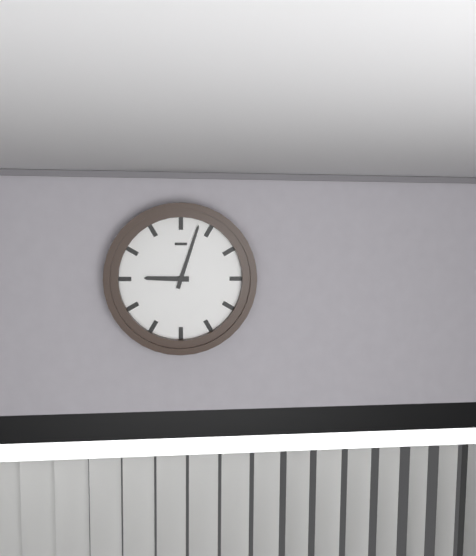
9:03
